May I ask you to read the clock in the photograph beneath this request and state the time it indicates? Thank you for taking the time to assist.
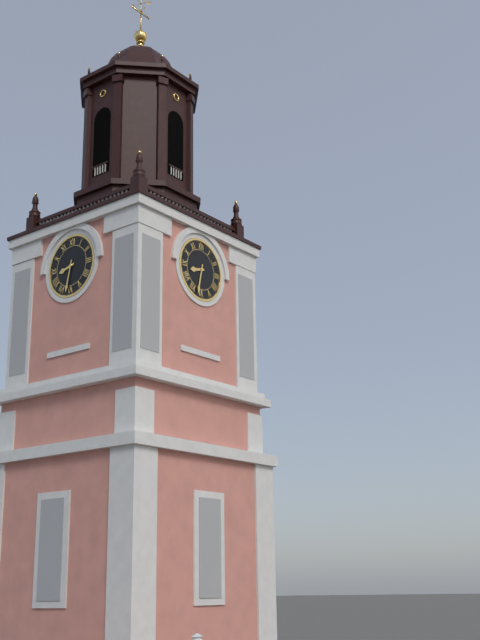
8:32
